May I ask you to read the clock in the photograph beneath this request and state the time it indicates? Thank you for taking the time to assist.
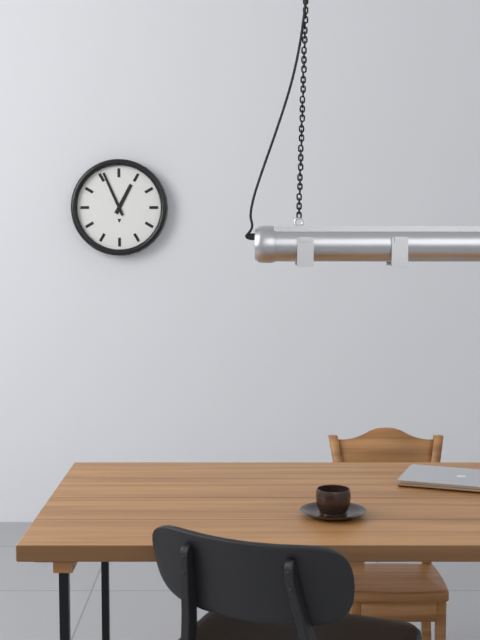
12:56
